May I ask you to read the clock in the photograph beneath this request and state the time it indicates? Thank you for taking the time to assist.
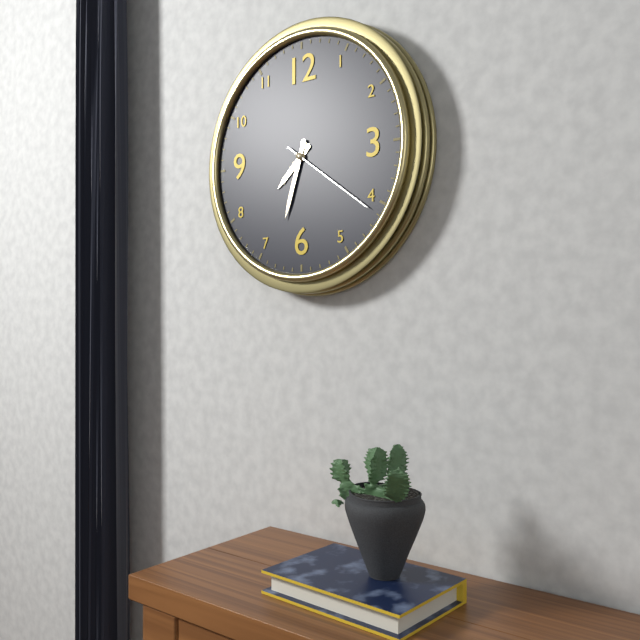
7:33:21
